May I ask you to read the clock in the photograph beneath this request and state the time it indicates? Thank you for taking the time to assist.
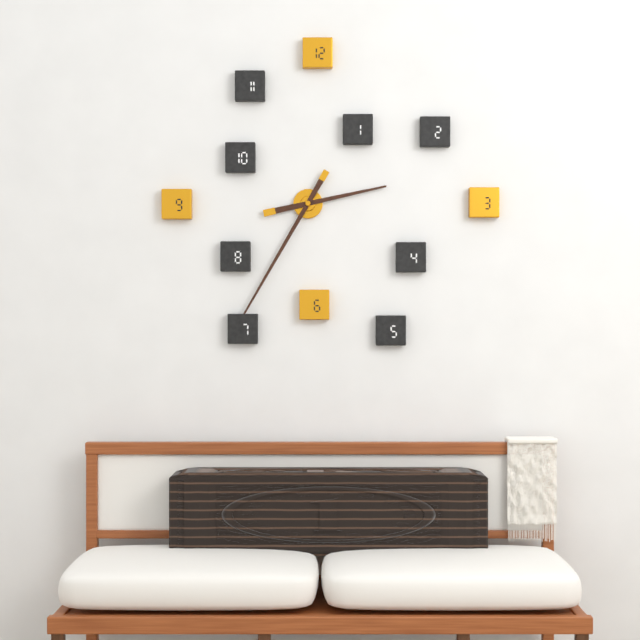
2:35
